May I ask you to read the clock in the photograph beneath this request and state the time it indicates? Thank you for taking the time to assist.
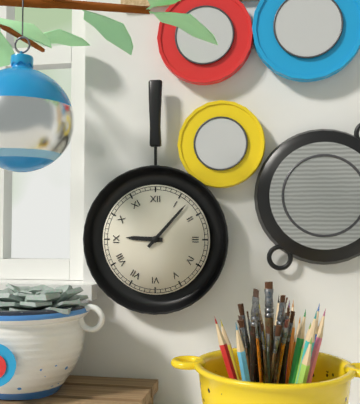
9:07
